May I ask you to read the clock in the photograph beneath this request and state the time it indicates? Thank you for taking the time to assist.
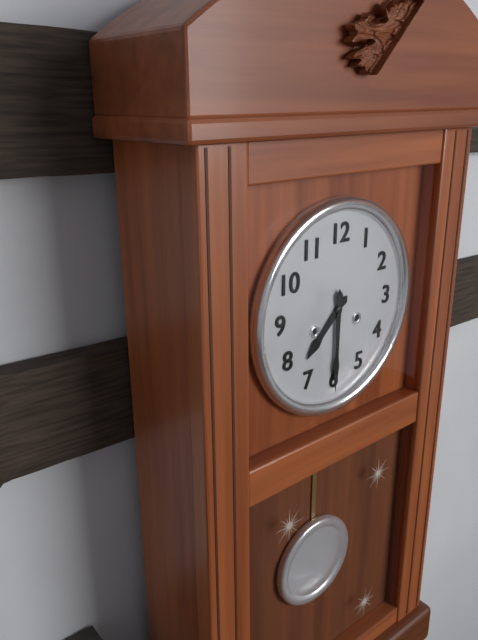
7:30
